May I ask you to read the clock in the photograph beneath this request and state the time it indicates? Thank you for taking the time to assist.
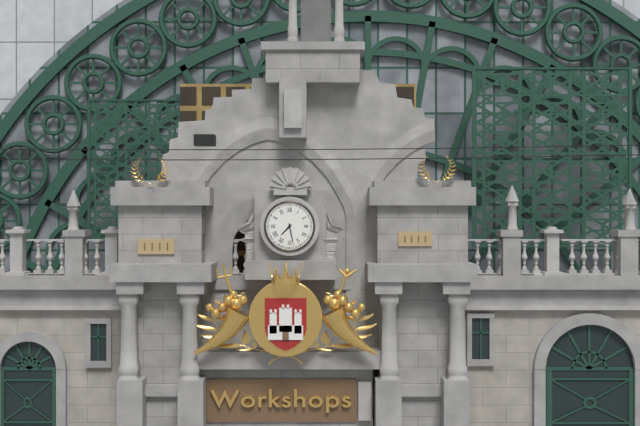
7:28
